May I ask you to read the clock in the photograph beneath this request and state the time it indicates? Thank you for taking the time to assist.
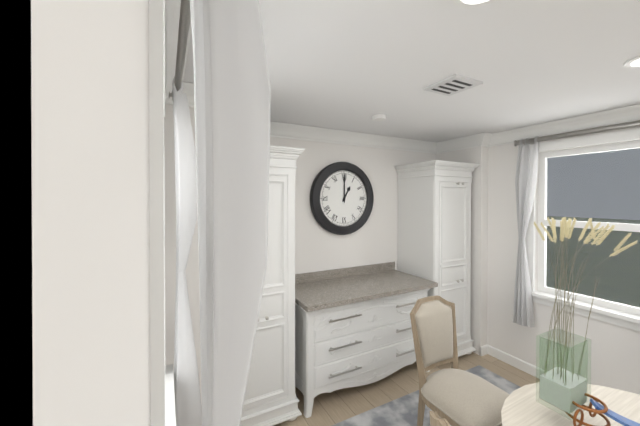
1:00
